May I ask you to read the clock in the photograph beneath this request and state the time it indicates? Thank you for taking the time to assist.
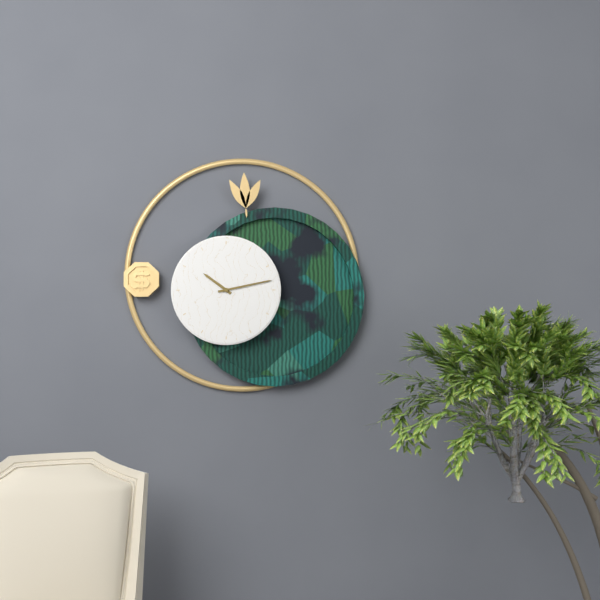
10:13
